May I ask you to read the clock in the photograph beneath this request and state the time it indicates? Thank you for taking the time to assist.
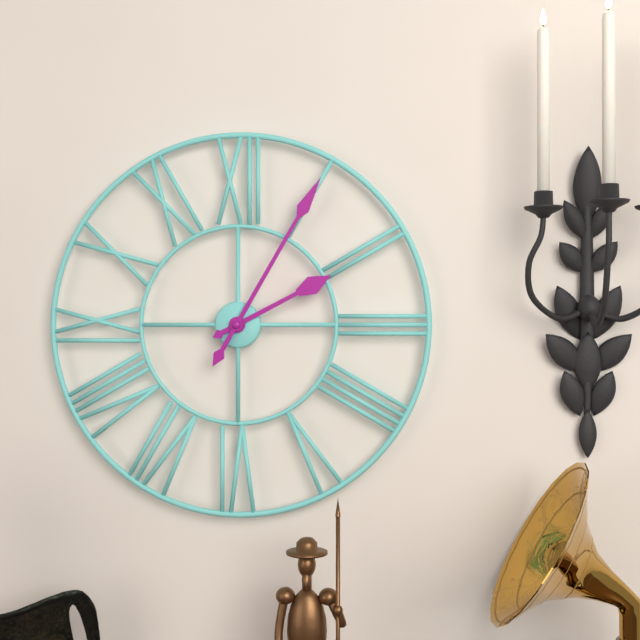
2:05
